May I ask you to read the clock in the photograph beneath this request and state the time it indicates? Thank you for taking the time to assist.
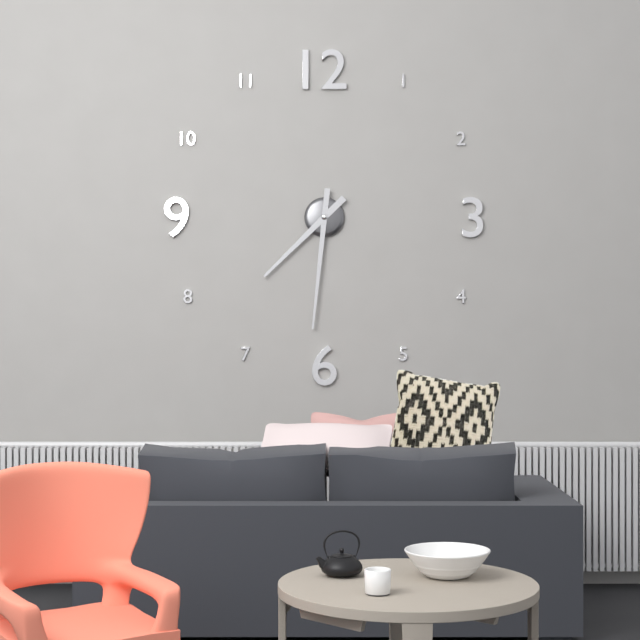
7:31
